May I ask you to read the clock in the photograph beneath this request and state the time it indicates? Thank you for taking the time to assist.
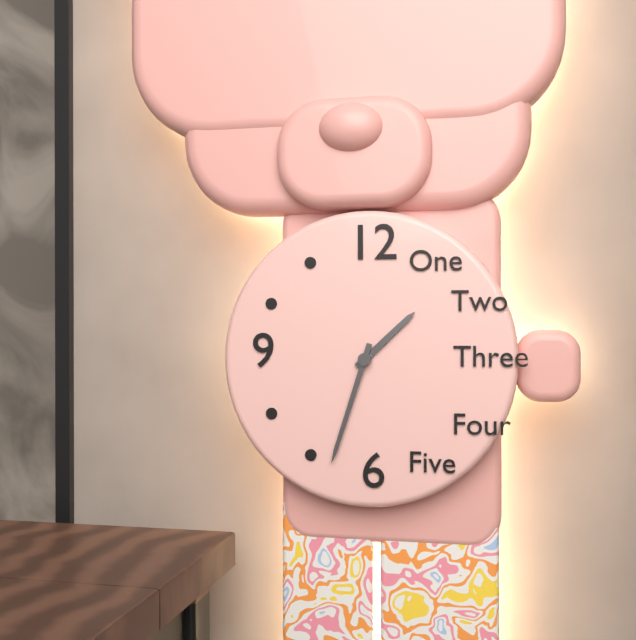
1:33
